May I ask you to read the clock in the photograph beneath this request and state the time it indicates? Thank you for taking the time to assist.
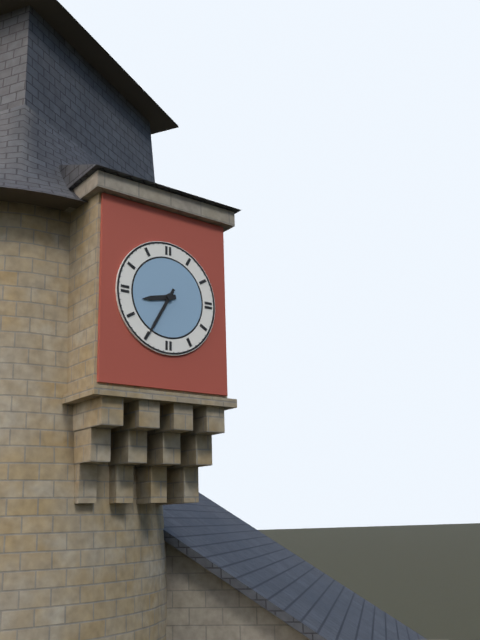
8:35
